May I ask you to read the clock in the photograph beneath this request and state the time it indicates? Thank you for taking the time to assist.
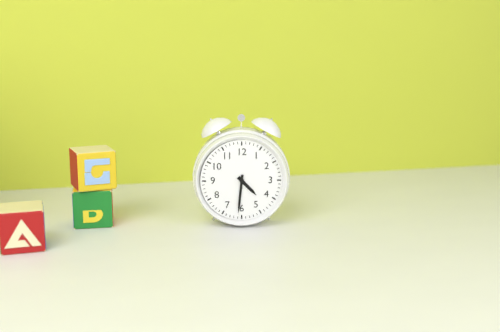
4:31
